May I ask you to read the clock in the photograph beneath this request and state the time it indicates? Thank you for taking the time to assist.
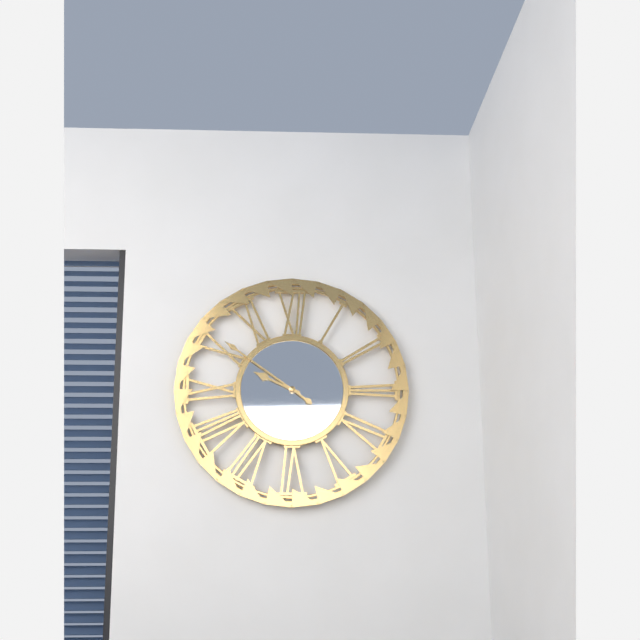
9:51
